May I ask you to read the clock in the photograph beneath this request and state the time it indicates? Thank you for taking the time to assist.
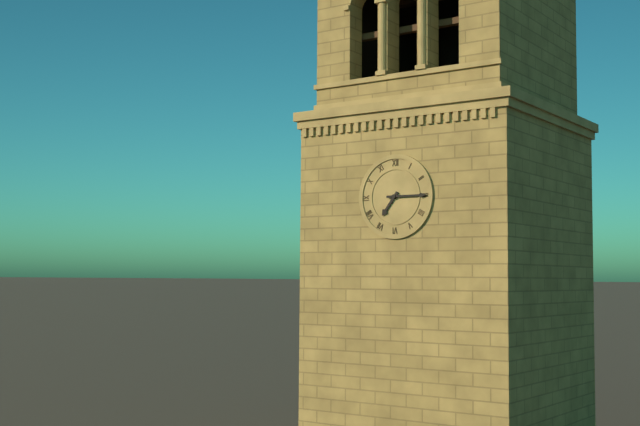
7:15
